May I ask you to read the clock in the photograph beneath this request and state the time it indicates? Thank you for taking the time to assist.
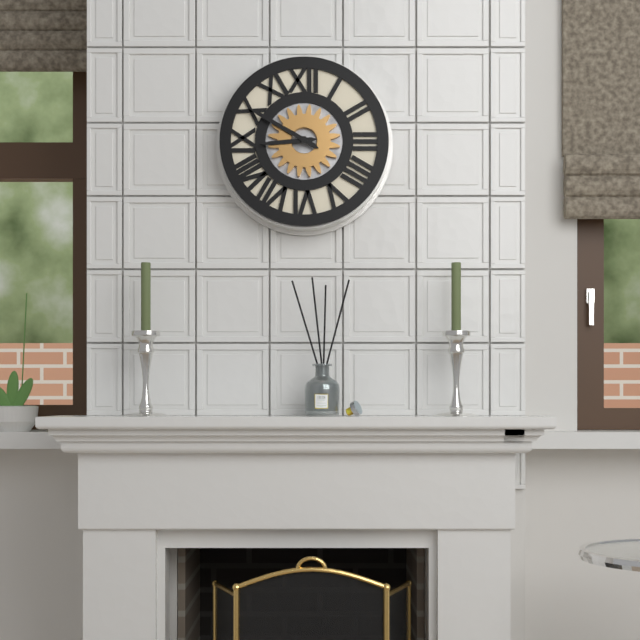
8:50
